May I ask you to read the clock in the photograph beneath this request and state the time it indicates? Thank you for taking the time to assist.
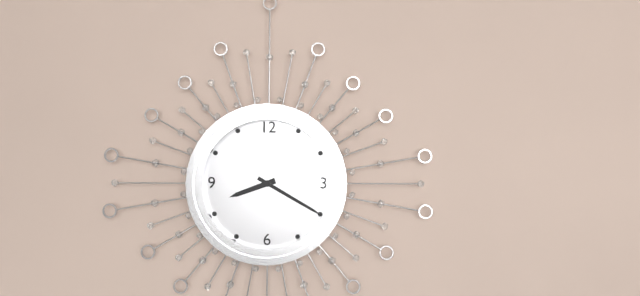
8:20
